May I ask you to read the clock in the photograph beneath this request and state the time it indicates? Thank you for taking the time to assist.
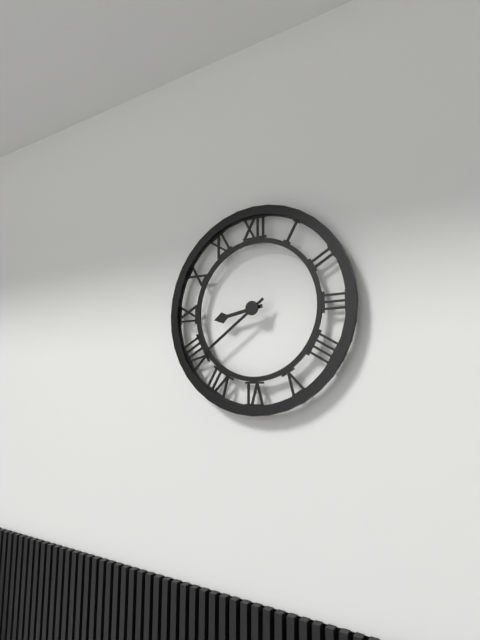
8:39
